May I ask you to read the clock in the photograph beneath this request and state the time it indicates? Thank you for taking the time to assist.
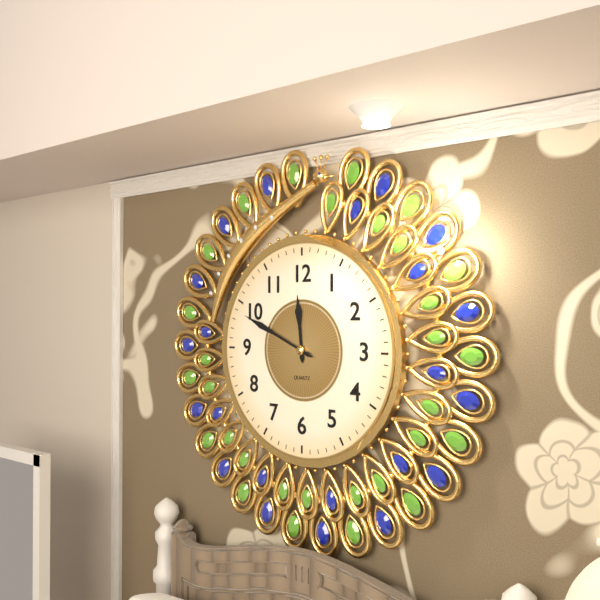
11:49
